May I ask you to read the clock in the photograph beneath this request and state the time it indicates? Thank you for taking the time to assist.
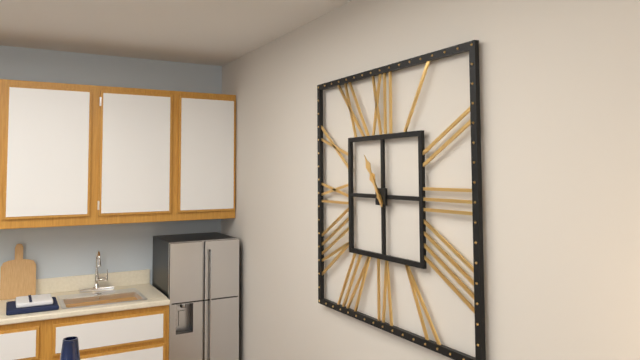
10:55
